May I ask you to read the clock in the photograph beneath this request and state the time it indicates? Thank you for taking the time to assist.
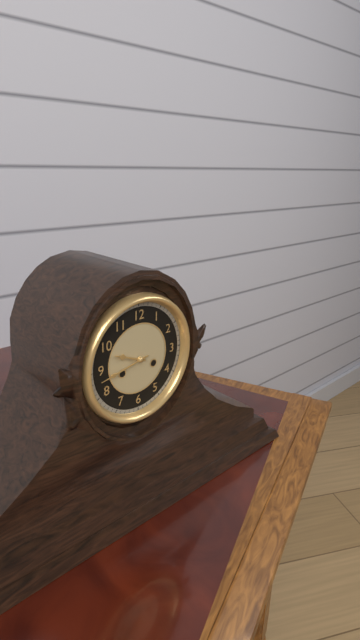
9:43
